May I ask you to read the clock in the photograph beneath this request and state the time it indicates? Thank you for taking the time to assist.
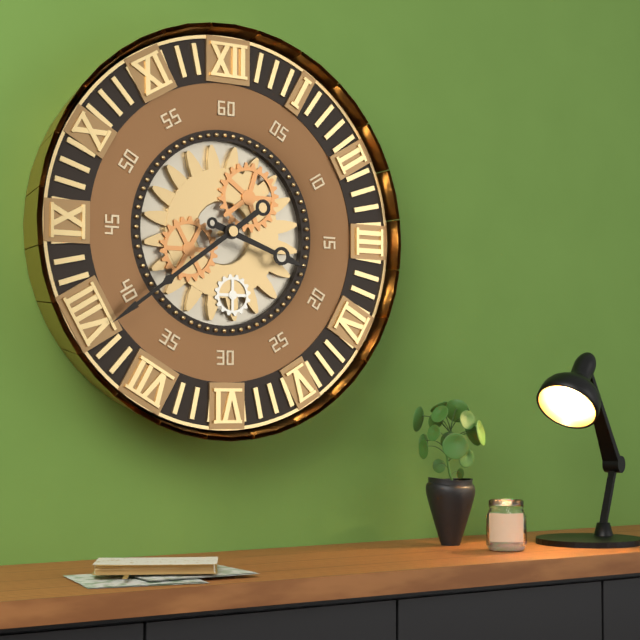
3:39
